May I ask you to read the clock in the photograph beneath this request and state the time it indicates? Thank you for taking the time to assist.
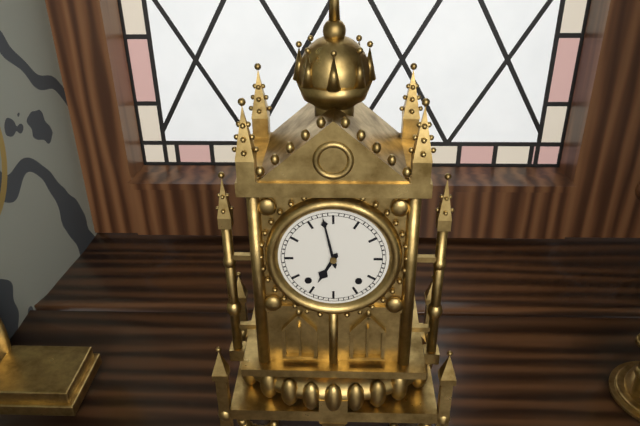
6:58
